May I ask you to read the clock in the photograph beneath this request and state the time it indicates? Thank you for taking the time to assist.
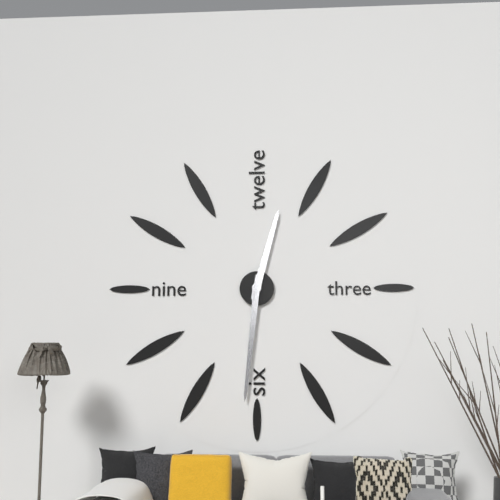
12:31
